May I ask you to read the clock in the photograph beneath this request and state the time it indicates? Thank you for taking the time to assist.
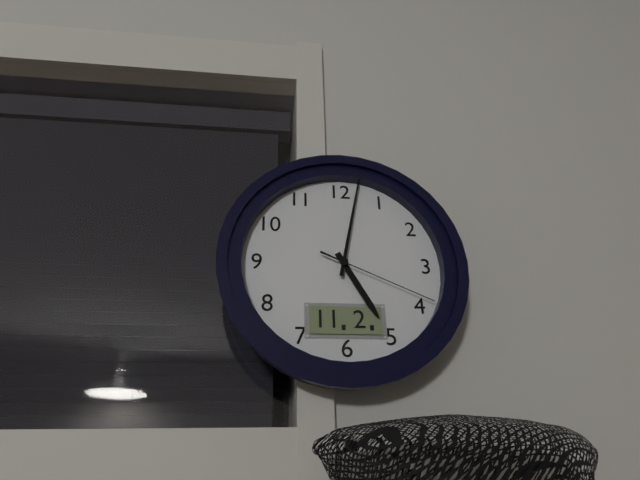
5:02:19
